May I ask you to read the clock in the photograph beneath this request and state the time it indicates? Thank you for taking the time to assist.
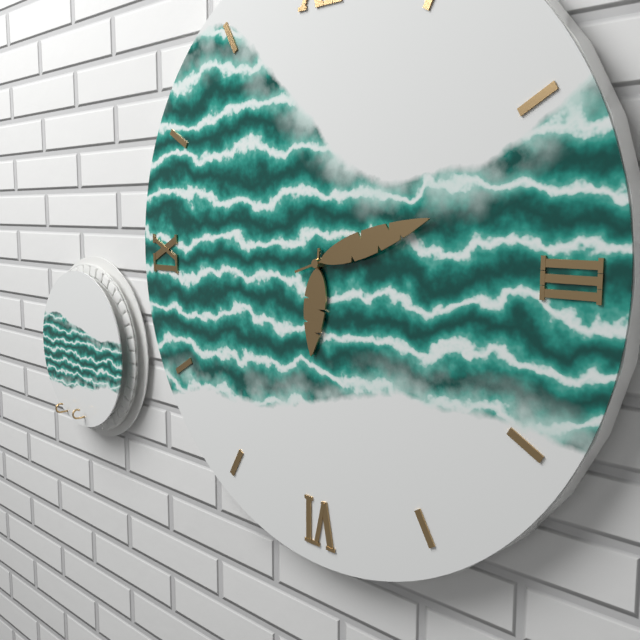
6:12
